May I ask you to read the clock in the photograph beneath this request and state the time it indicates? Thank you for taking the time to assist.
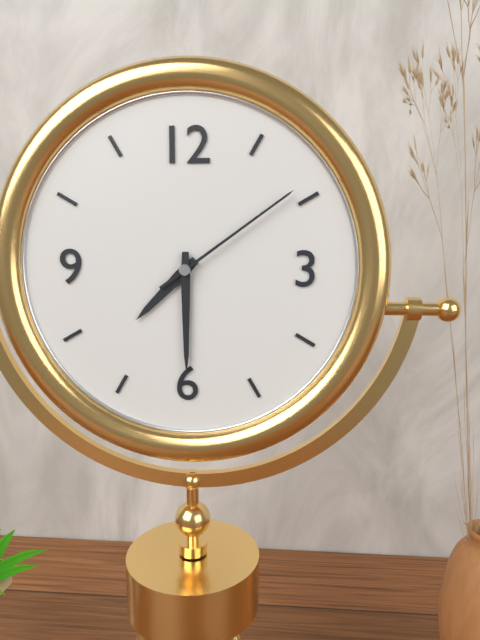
7:30:09
